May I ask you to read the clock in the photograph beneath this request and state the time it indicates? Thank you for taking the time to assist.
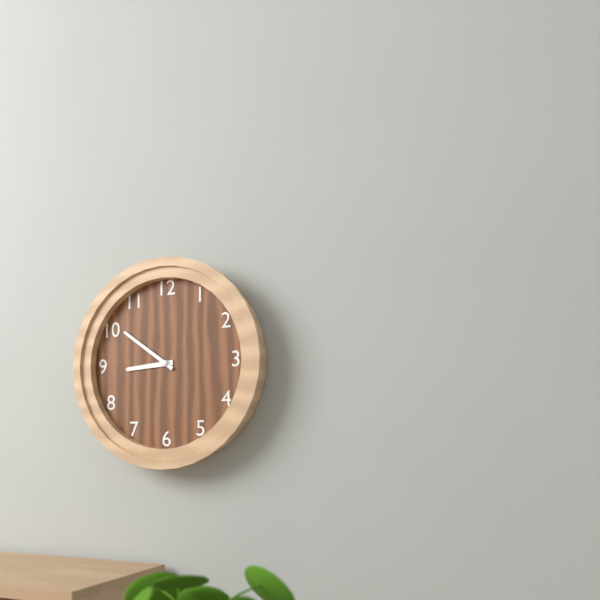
8:51
